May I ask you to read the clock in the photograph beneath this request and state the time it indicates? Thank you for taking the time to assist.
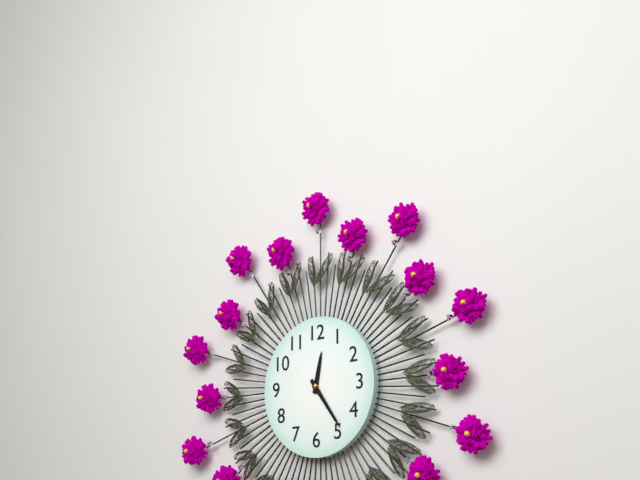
12:24
